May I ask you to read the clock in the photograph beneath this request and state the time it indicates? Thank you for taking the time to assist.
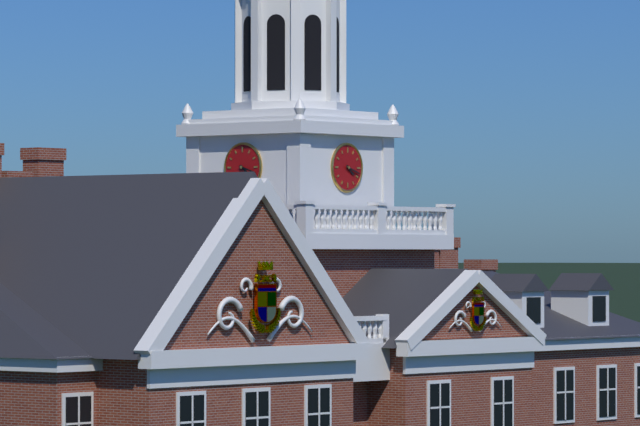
4:18
